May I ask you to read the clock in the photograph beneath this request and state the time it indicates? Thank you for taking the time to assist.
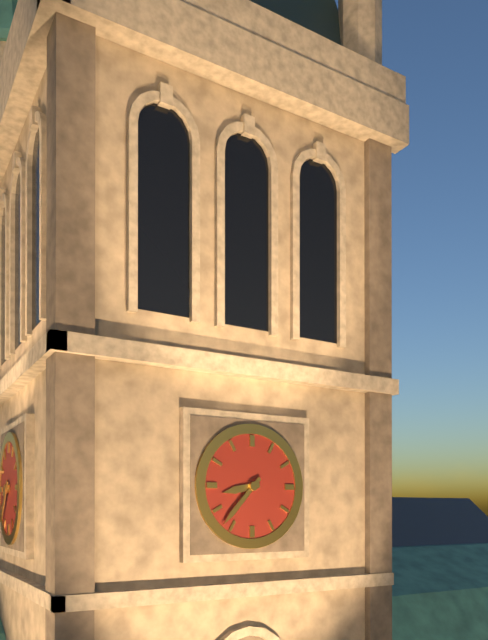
8:37
